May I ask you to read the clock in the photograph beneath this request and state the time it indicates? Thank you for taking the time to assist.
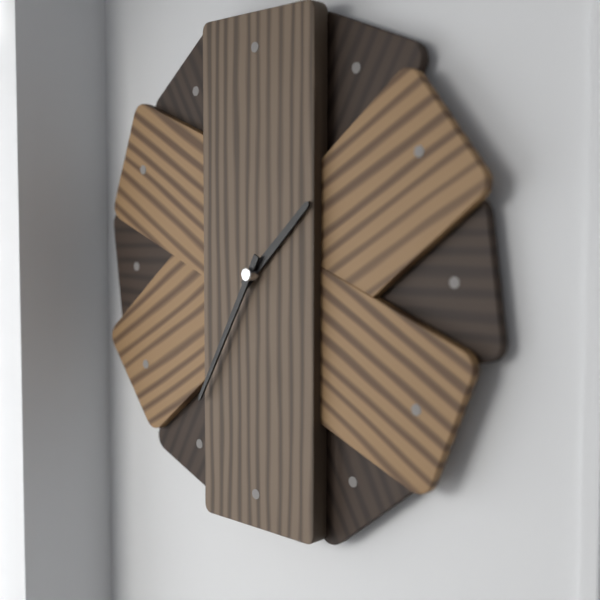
1:35
